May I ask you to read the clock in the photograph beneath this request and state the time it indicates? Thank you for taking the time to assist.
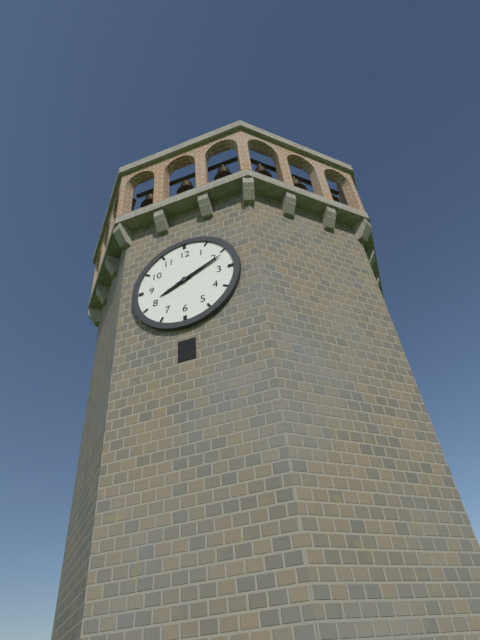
8:11
